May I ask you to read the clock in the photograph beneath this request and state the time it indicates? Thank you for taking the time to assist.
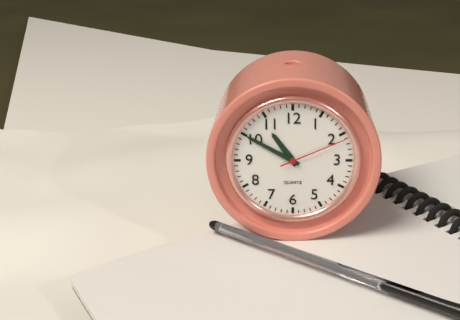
10:50:11
